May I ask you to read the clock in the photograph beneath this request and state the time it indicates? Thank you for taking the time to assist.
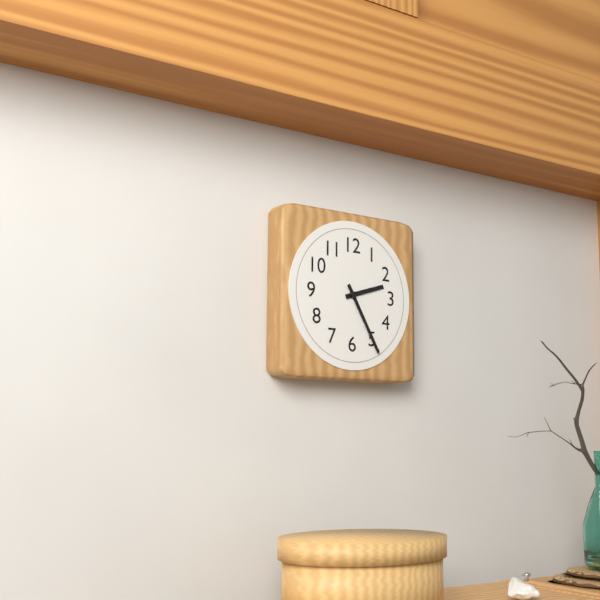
2:25
